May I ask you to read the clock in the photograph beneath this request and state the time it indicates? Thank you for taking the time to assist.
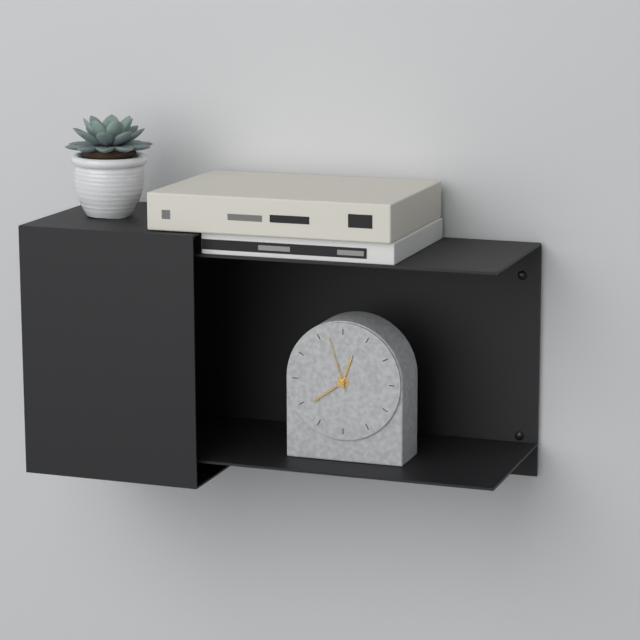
12:39:57
